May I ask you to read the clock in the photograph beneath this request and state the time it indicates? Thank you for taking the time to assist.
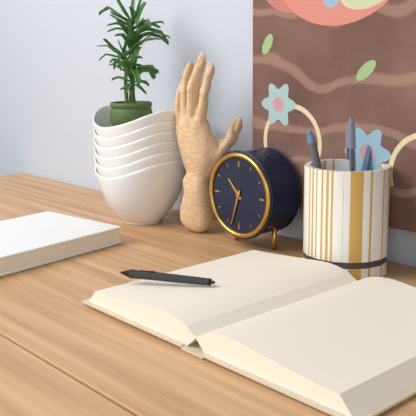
10:33
